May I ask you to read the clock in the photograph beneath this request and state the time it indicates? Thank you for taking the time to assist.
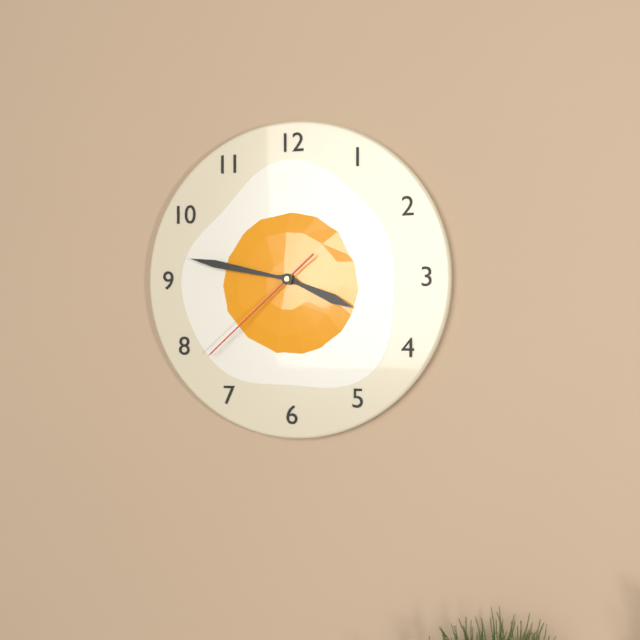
3:47:38
